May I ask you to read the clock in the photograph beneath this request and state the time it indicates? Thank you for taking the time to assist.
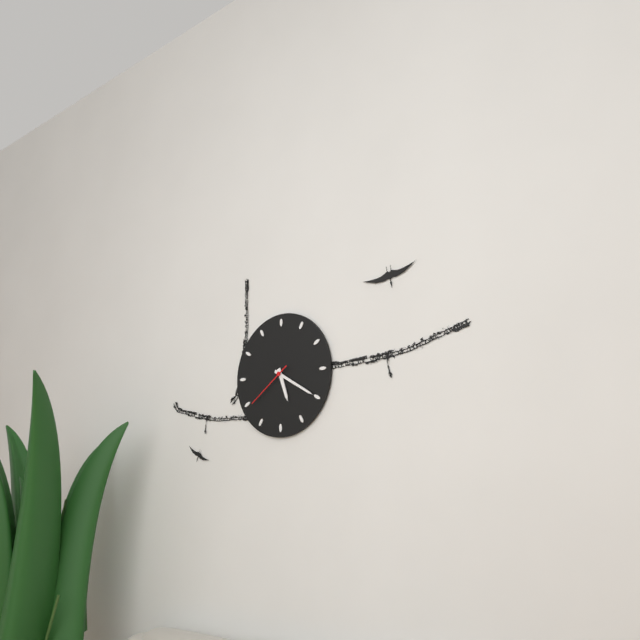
5:20:39
